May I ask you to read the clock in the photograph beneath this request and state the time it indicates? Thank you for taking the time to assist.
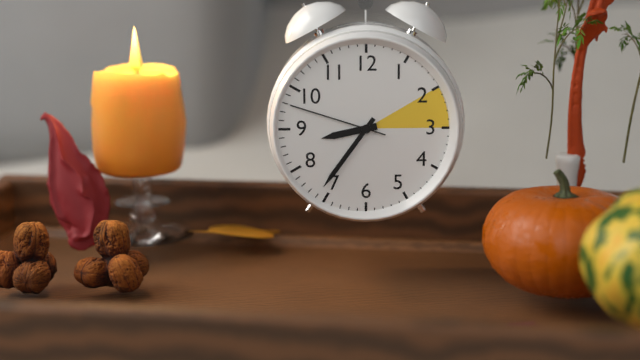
8:36:48
